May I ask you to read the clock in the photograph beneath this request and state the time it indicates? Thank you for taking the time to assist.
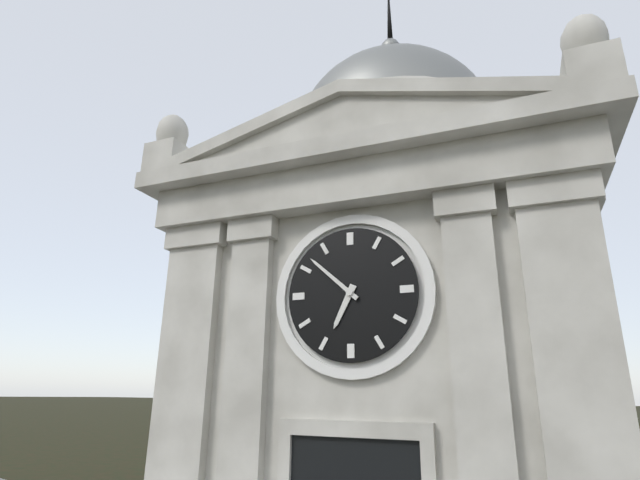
6:52
